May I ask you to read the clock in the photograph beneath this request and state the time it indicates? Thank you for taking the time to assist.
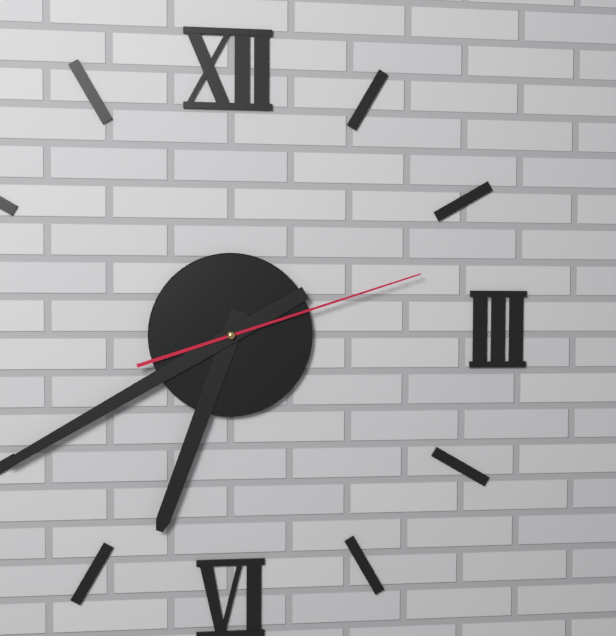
6:40:12
